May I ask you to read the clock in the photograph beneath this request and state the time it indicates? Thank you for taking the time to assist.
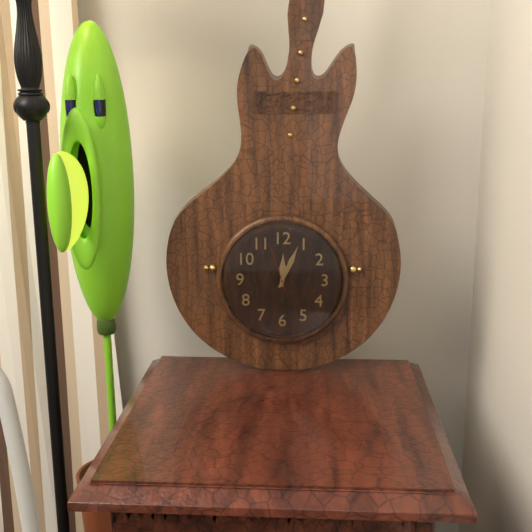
12:04
